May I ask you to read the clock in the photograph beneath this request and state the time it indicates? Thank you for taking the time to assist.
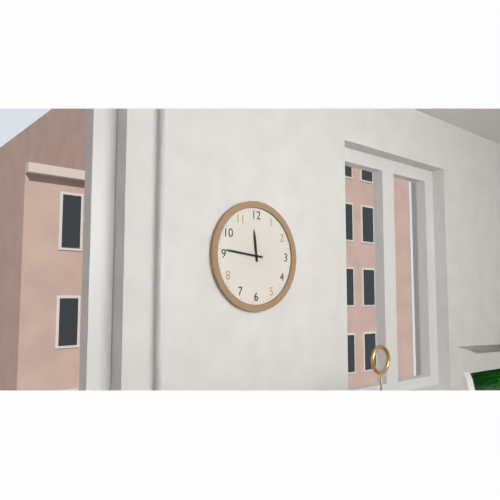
11:46
